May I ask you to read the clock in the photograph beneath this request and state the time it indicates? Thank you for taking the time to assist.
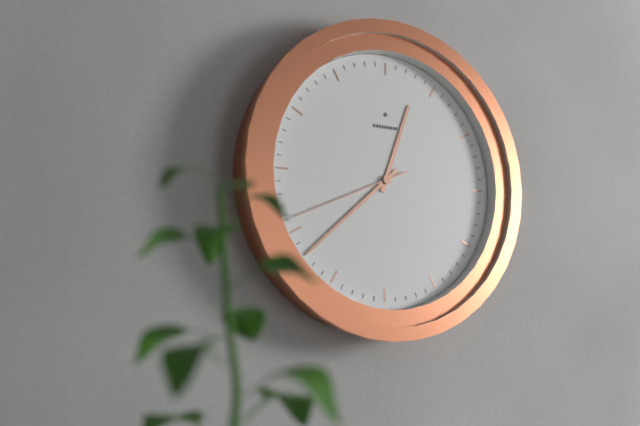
12:38:41
